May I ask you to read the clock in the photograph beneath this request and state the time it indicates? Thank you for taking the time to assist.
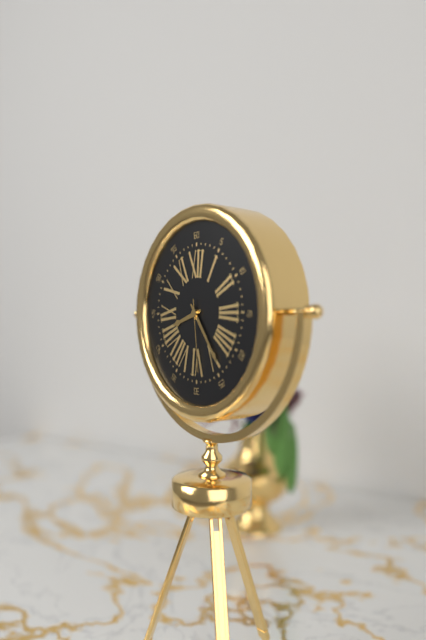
8:24:29
